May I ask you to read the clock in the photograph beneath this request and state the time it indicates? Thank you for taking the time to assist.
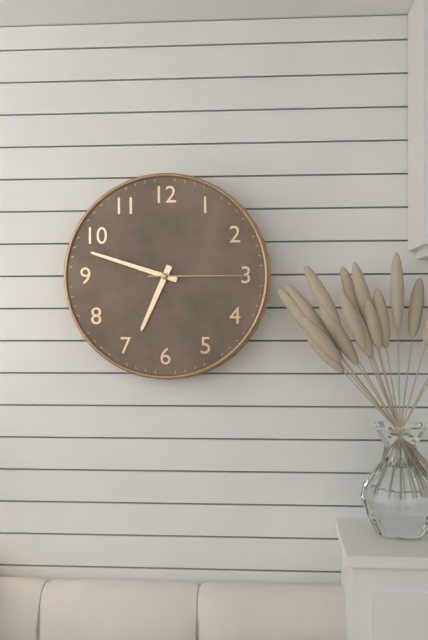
6:48:15
